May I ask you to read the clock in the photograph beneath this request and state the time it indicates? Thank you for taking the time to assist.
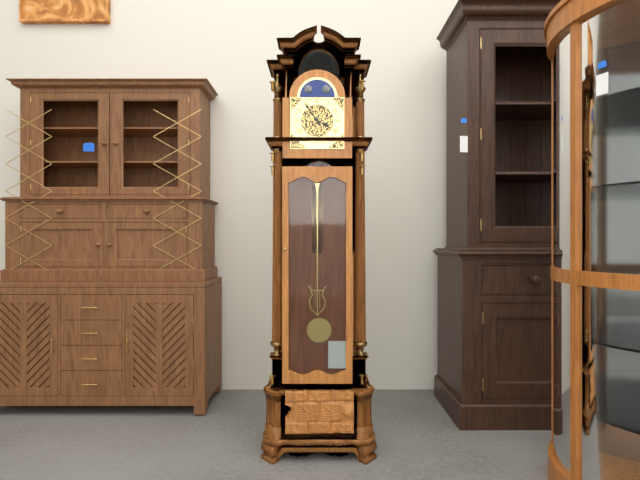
3:54
